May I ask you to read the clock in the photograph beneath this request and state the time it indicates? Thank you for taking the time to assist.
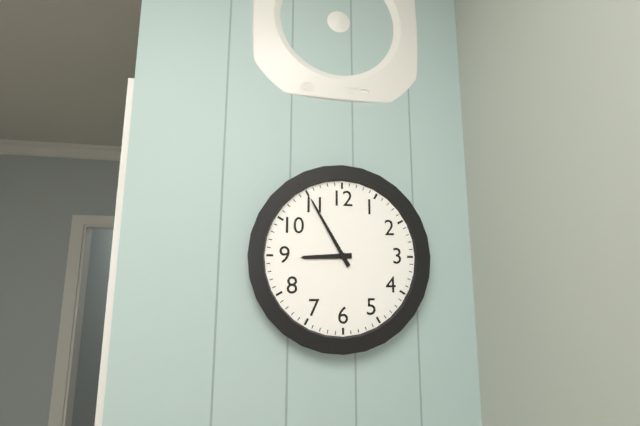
8:55
